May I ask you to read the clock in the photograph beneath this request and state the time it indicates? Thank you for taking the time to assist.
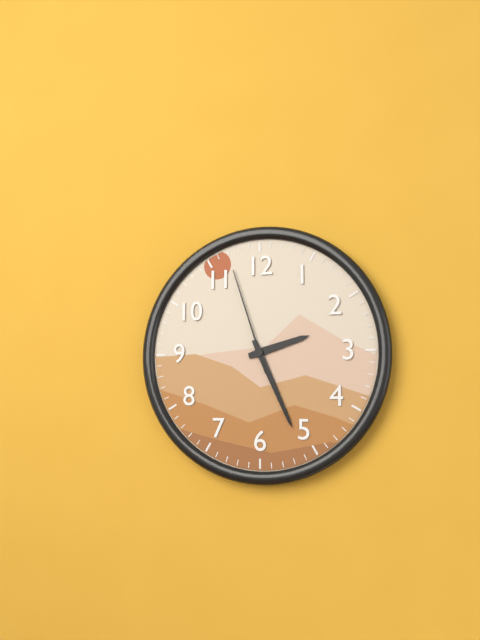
2:26:57
